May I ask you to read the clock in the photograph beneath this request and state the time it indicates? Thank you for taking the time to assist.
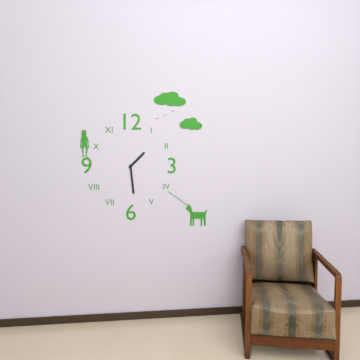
1:29
